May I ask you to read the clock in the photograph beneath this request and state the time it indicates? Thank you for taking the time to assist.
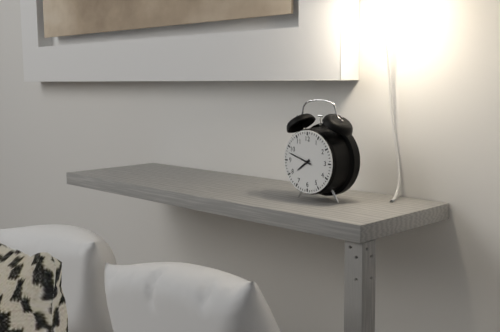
7:48
